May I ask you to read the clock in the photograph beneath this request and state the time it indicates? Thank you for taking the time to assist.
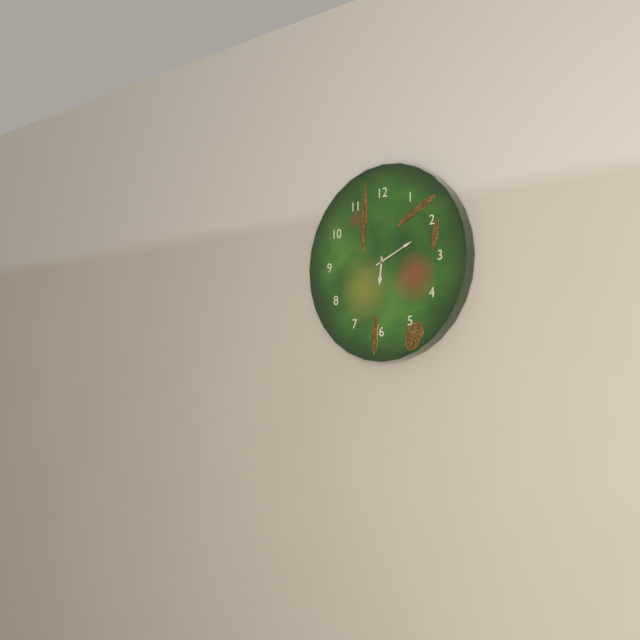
6:11
